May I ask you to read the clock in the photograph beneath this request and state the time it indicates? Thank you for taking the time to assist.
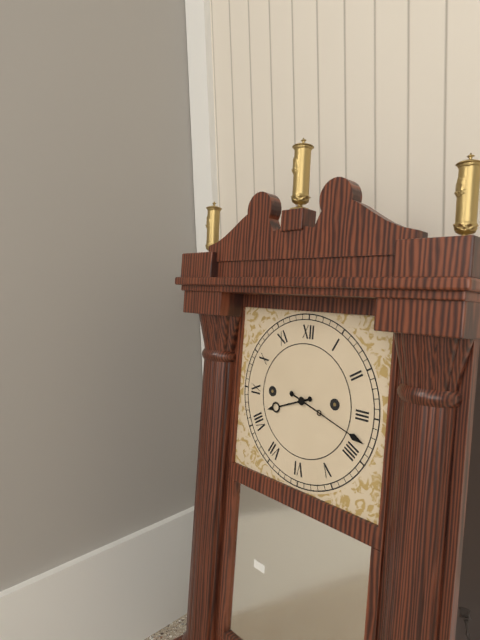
8:18
